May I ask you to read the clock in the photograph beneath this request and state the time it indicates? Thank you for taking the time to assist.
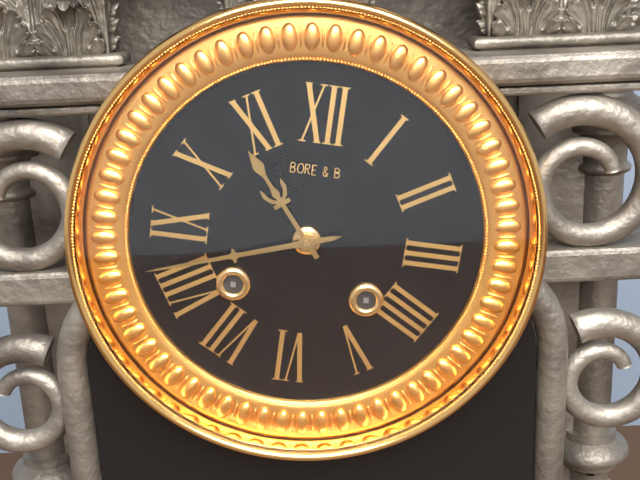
10:42
